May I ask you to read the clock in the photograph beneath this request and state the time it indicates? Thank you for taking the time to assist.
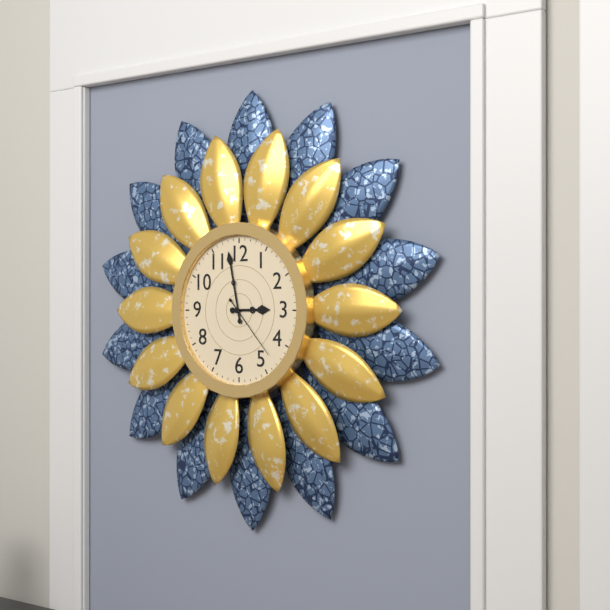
2:58:23
